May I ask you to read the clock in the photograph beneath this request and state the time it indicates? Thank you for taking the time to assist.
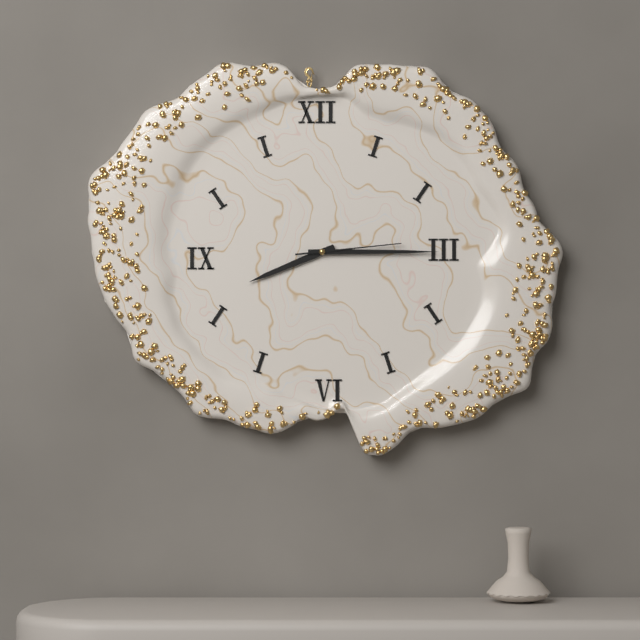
8:15:14
